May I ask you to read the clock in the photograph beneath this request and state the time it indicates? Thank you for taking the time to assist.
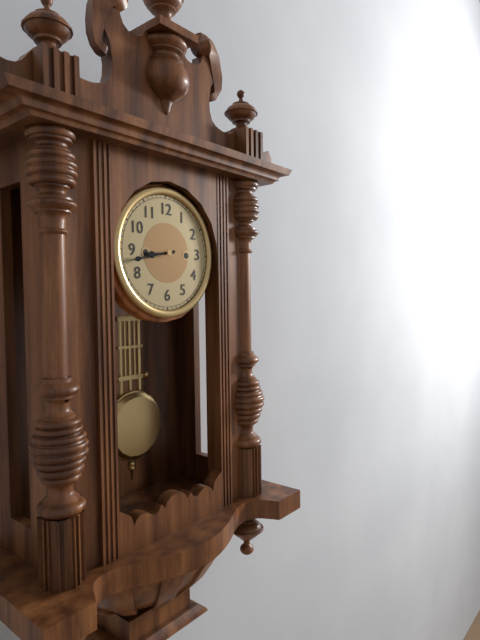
8:43
